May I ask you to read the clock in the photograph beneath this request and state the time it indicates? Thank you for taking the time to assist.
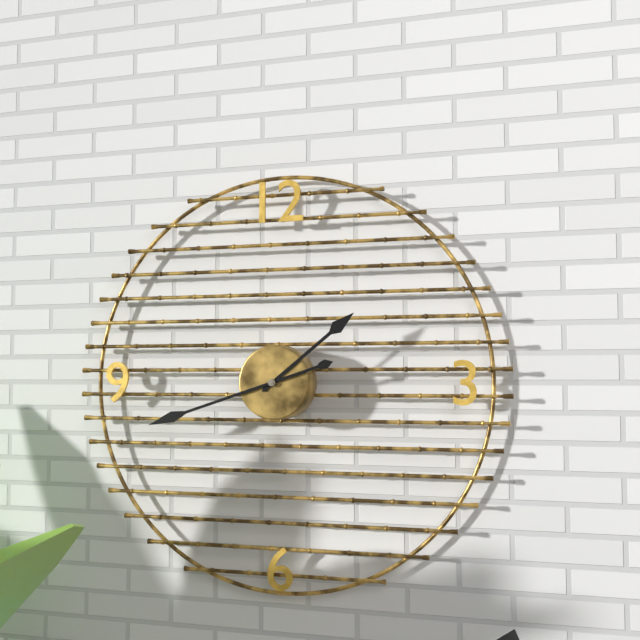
1:42
